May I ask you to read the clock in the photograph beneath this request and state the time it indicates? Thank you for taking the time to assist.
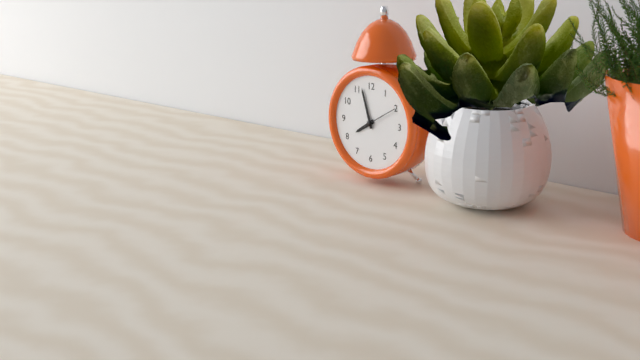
7:57
